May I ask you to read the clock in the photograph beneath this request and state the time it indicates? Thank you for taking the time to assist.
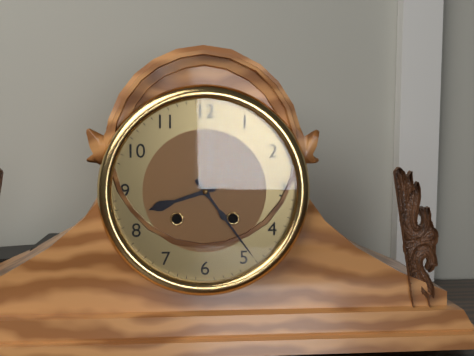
8:24
